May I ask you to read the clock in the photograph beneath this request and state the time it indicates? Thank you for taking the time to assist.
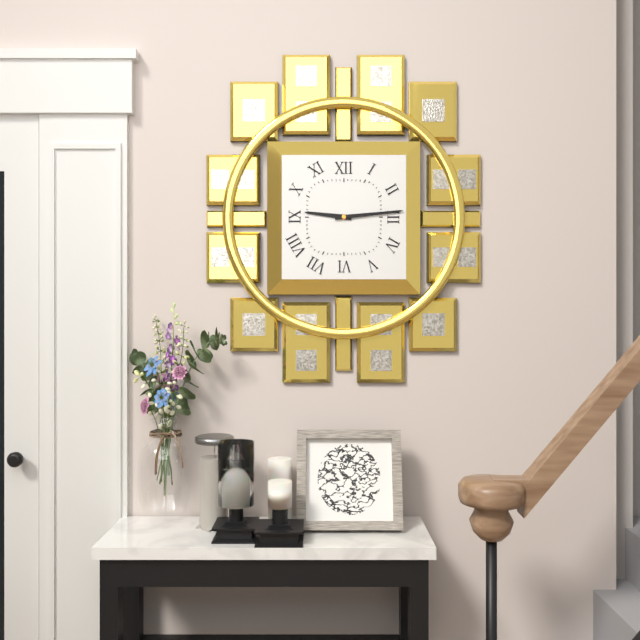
9:14
